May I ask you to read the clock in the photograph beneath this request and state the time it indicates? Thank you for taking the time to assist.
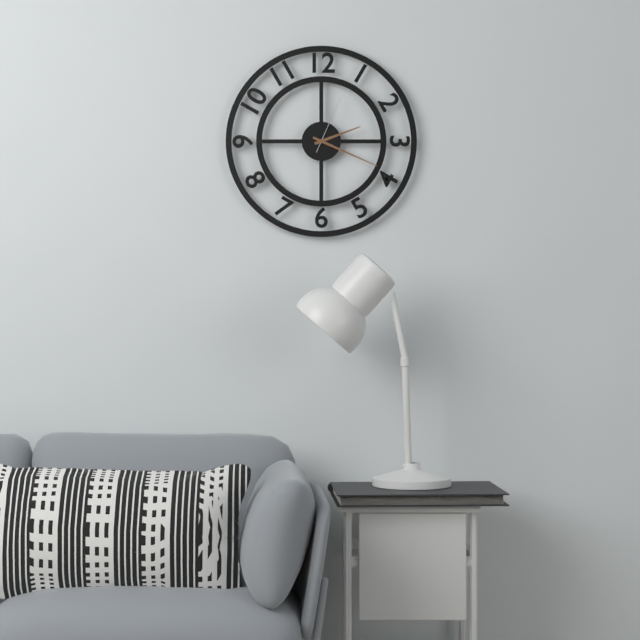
2:19:04
